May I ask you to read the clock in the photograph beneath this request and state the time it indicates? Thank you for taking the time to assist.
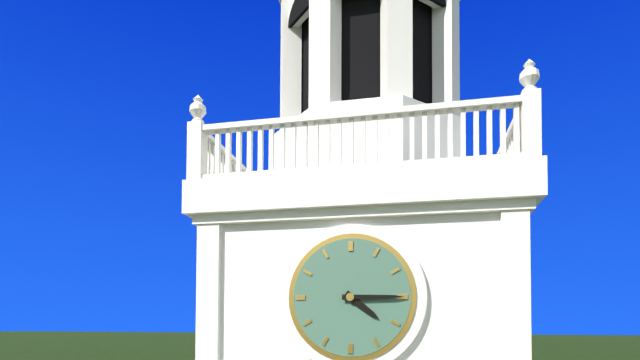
4:15
